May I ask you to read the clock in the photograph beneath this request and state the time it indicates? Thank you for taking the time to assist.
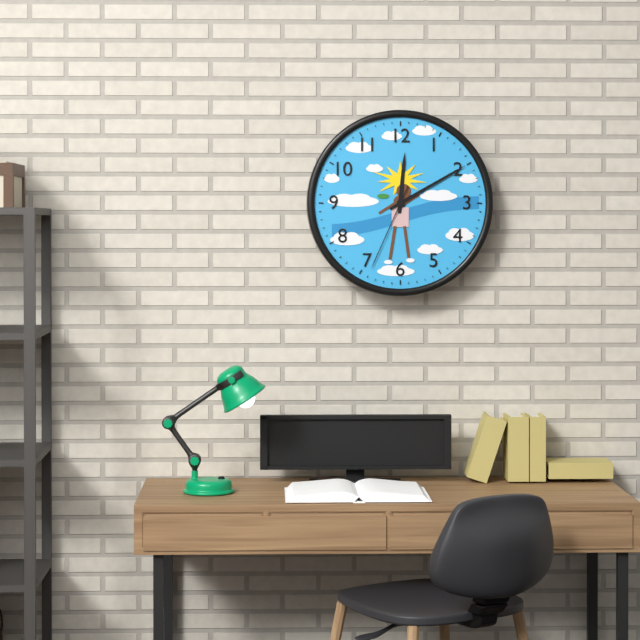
12:10:34
